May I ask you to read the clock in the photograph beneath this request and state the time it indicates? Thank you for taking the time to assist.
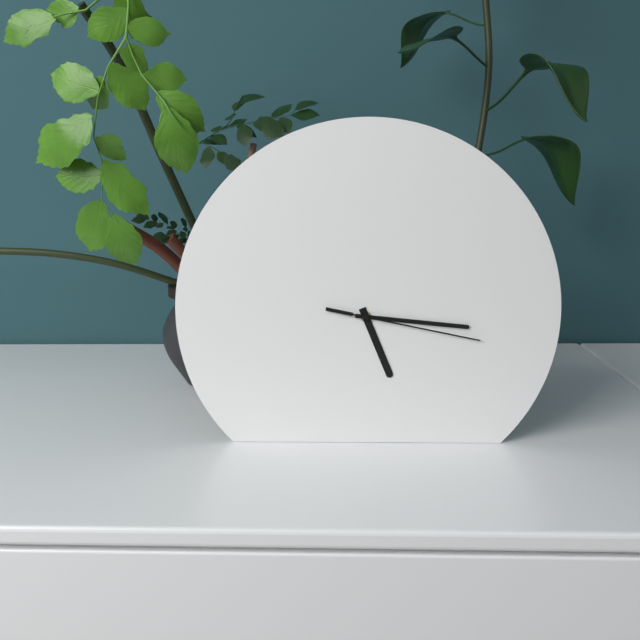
5:16:17
